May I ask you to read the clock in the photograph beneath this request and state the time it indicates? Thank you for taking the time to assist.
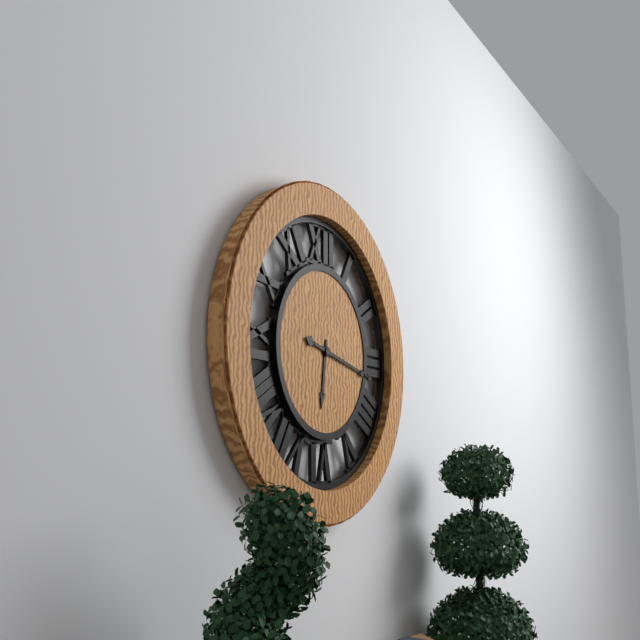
6:17
